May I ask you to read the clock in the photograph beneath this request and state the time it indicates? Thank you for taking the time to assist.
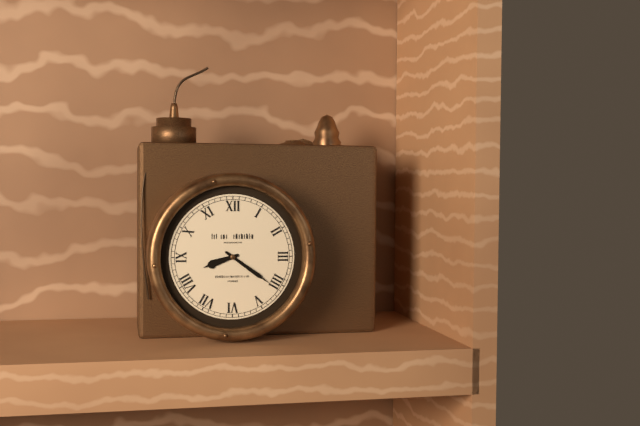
8:21
